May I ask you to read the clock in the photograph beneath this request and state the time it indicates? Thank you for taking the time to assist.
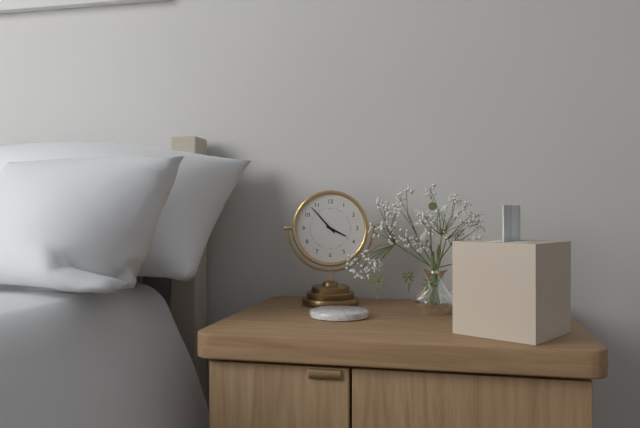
3:53
